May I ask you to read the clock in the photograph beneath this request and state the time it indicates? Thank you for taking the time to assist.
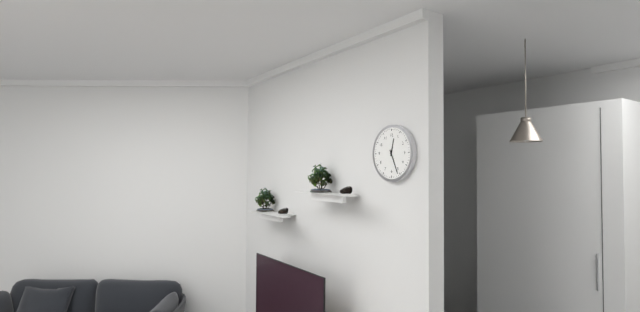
12:26
